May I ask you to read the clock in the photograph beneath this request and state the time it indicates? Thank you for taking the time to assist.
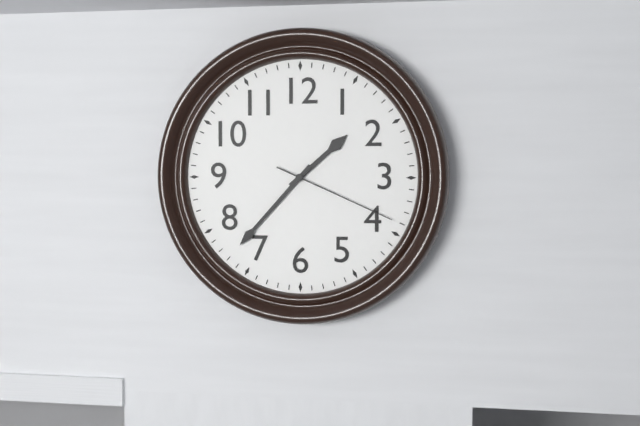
1:37:19
